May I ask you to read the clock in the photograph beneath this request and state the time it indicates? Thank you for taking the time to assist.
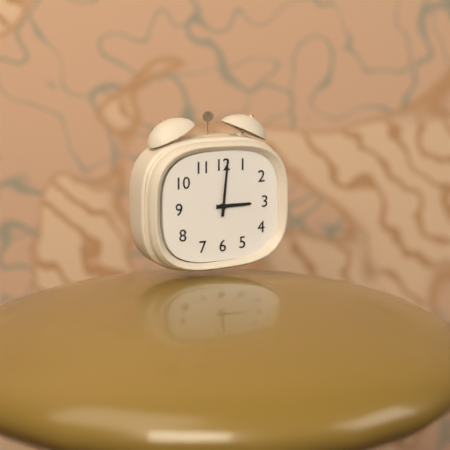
3:01
